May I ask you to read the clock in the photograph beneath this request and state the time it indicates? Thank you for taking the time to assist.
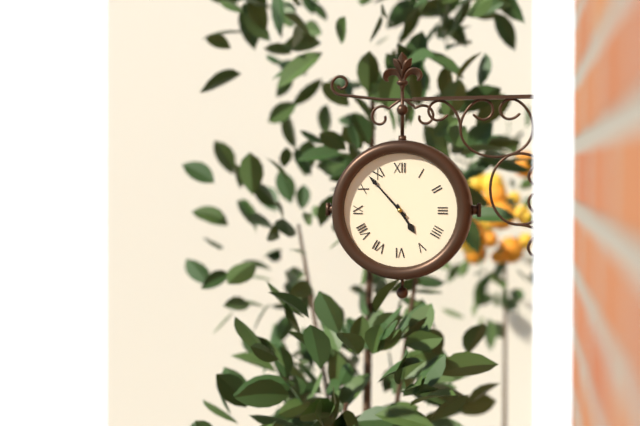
4:53
